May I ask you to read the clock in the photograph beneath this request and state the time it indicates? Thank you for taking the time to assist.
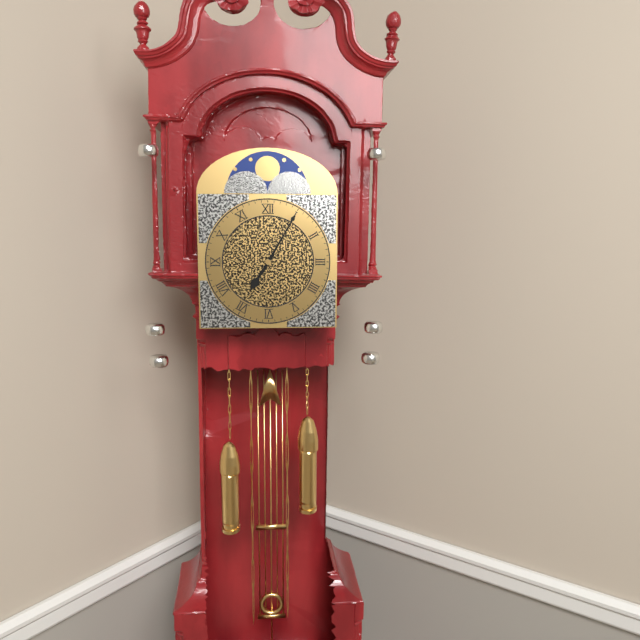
7:05
